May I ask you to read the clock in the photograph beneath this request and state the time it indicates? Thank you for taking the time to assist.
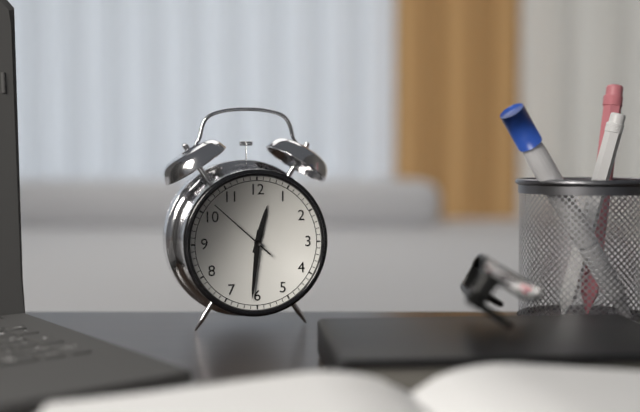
12:31:52
